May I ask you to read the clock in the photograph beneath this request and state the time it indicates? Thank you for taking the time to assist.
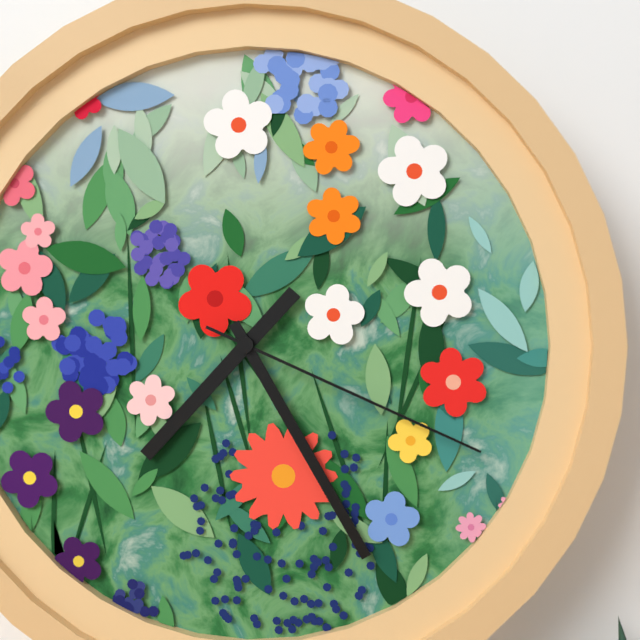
7:25:19
